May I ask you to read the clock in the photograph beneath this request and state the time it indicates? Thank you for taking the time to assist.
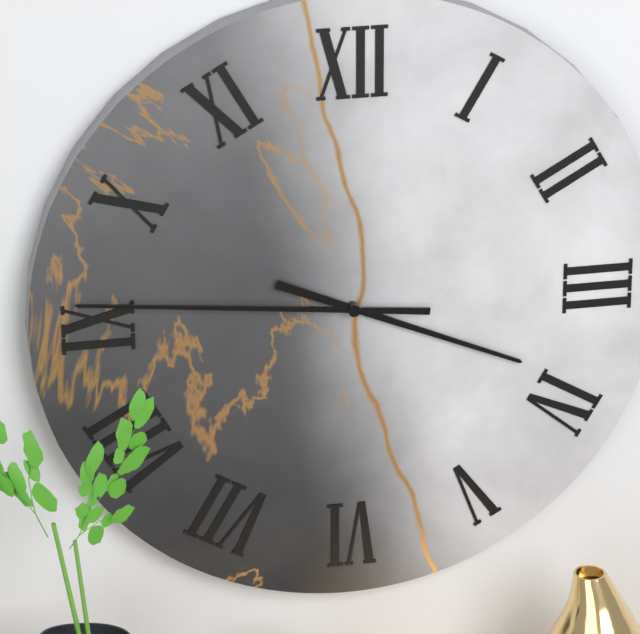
3:46
